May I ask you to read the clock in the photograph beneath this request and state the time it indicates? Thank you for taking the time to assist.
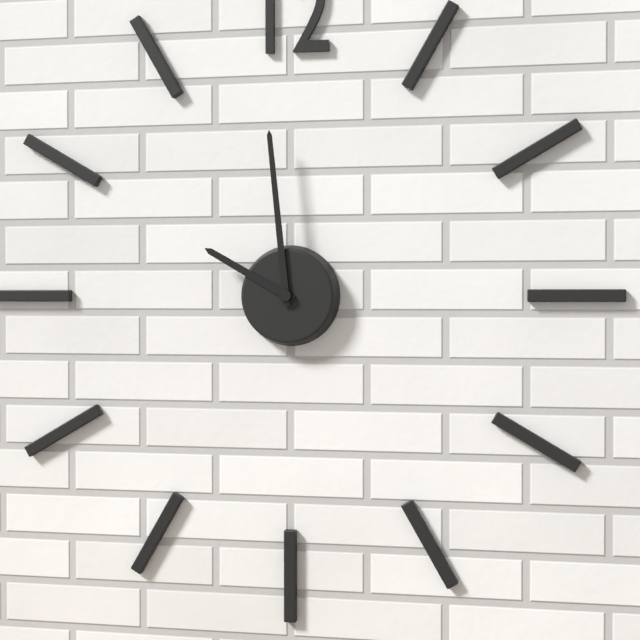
9:59
